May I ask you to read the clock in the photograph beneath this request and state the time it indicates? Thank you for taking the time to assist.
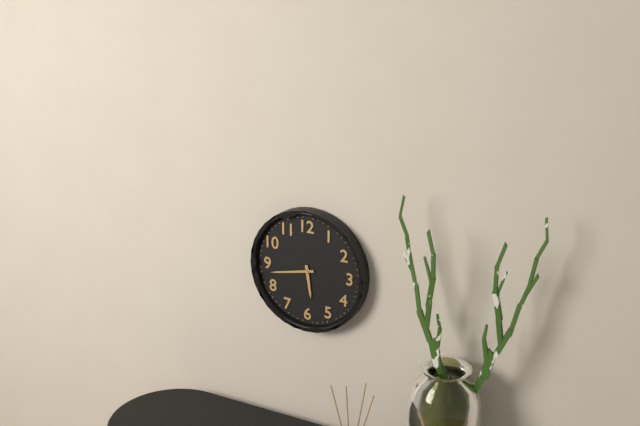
5:43
